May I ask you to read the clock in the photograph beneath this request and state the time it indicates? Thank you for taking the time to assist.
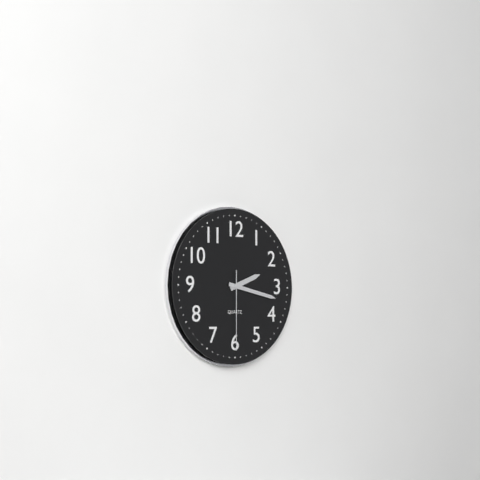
2:17:30
